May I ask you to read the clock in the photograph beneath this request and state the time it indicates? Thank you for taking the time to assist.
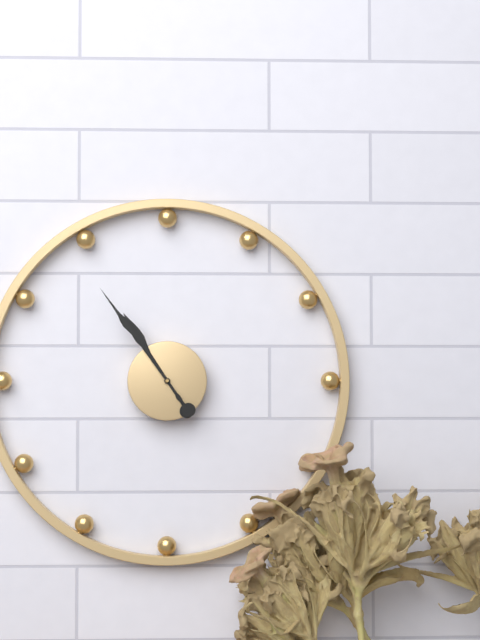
10:54
